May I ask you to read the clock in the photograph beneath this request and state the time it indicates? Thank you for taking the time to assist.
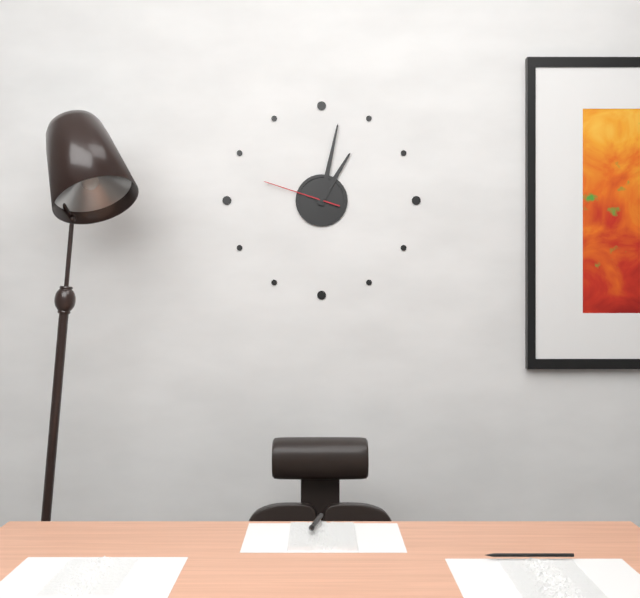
1:02:48
